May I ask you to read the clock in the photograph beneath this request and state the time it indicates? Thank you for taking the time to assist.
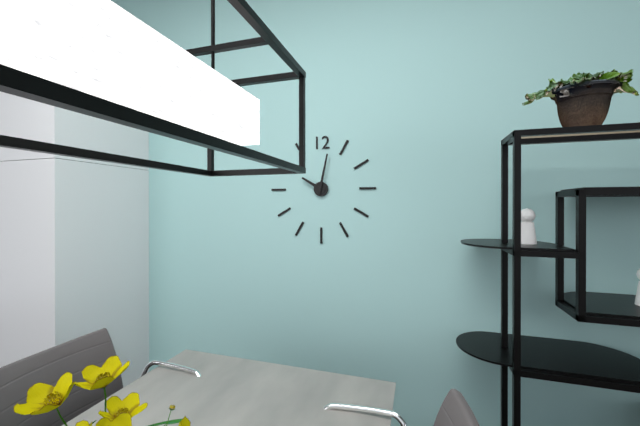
10:02
